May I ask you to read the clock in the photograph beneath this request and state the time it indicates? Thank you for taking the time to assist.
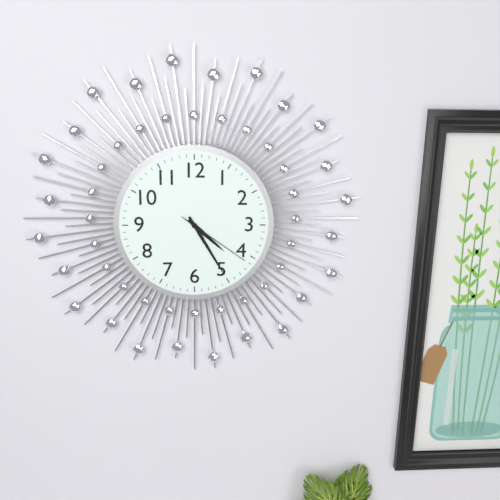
4:25:21
